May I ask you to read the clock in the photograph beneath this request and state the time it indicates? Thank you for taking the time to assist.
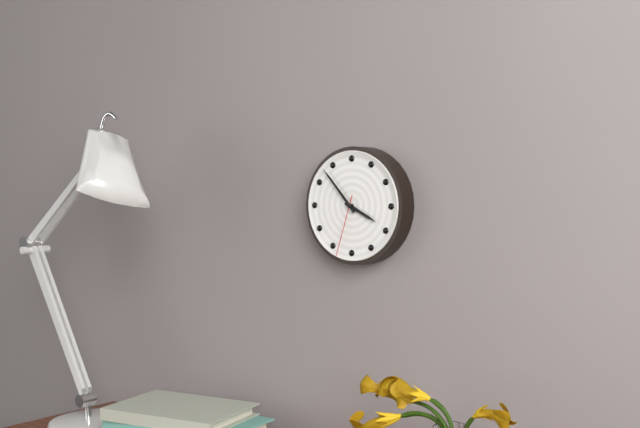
3:53:33
